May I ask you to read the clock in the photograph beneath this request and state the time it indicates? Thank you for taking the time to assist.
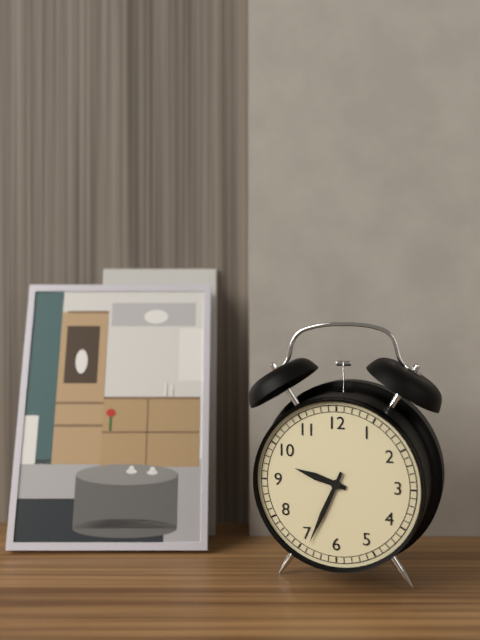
9:34
